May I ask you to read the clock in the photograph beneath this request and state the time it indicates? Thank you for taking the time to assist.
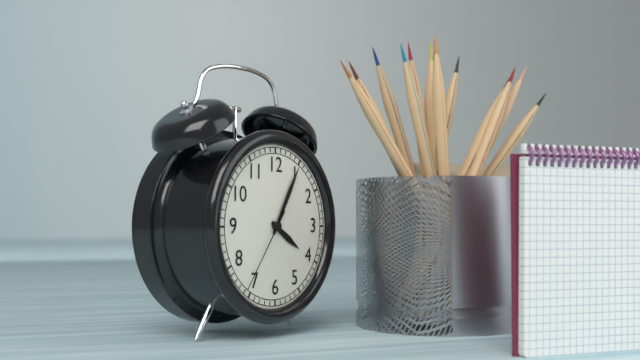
4:05:36
